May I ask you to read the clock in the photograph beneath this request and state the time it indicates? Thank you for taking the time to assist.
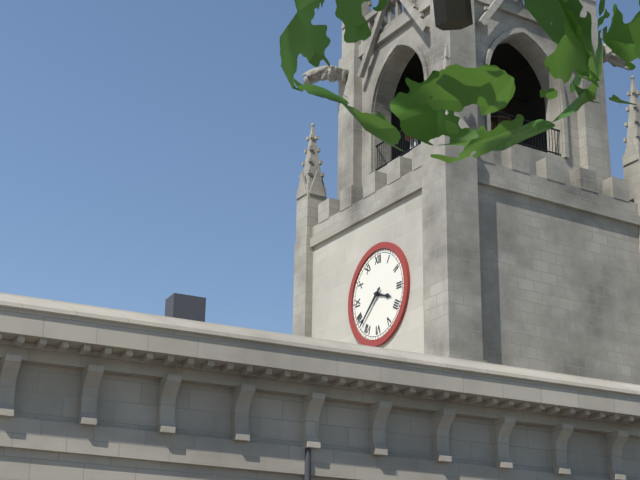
3:38
